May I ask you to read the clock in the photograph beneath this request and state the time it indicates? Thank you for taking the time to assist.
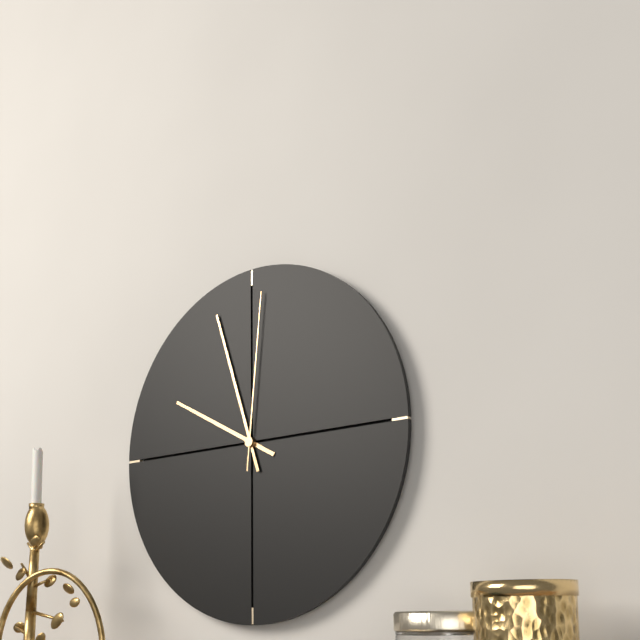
9:57:01
